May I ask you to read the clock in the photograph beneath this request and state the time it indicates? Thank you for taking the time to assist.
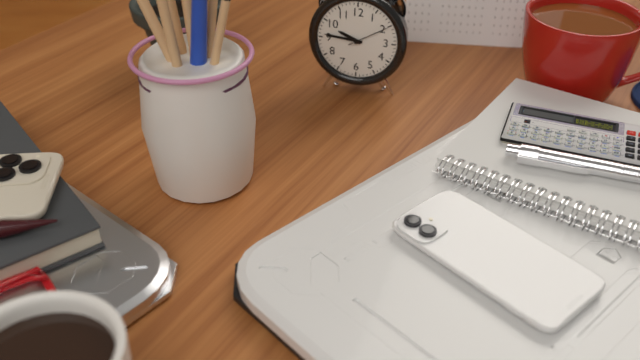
9:46
